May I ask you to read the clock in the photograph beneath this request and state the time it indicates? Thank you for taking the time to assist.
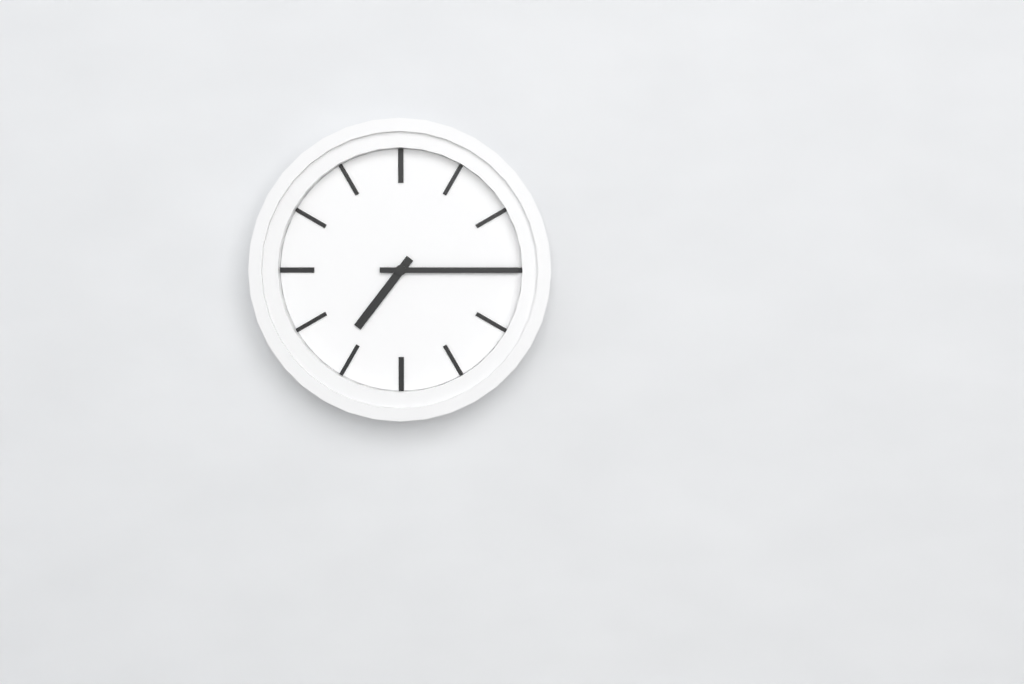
7:15
